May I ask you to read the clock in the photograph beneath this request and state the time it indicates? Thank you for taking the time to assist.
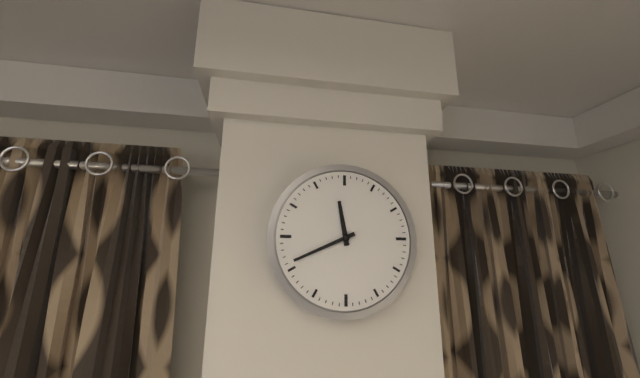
11:41
